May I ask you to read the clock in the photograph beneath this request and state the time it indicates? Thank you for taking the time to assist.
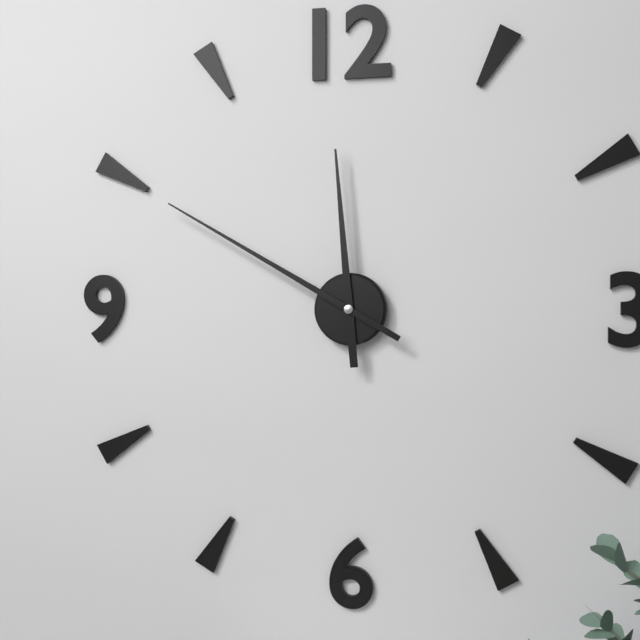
11:50
